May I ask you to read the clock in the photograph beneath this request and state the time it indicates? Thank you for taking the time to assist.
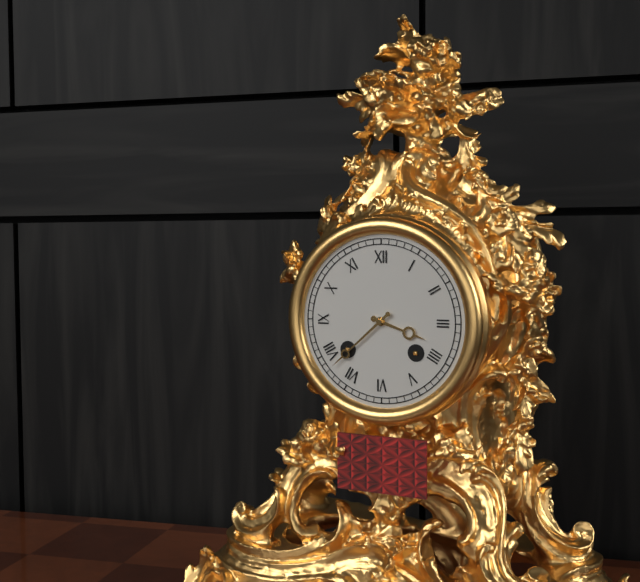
3:38
